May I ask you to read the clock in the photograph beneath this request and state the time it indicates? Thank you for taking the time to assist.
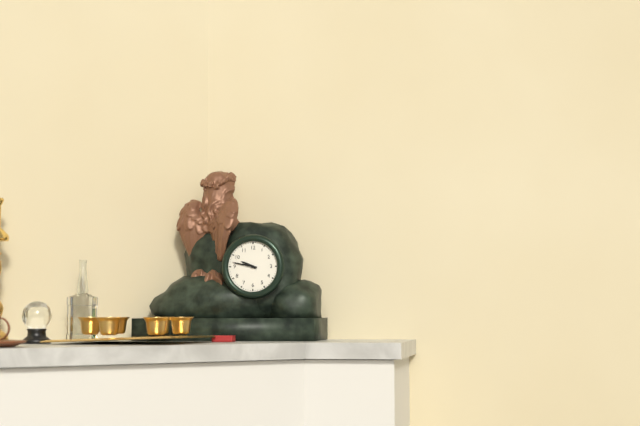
9:47
